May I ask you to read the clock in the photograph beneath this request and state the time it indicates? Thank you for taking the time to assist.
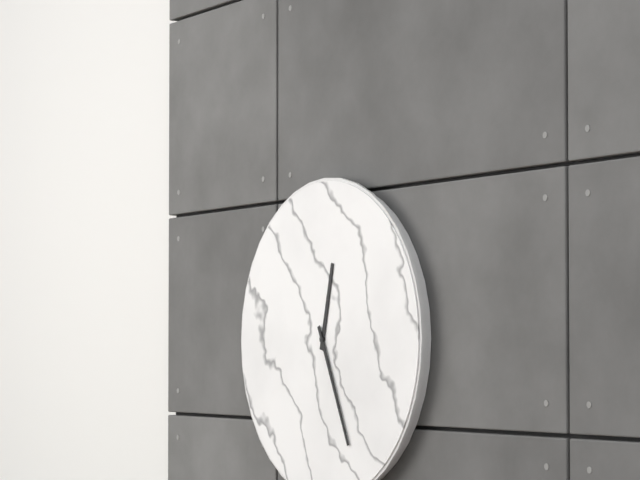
12:26
